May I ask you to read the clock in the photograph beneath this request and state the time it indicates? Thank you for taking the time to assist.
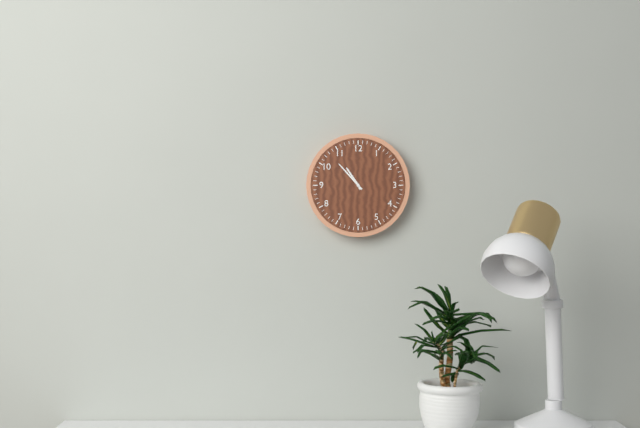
10:53
